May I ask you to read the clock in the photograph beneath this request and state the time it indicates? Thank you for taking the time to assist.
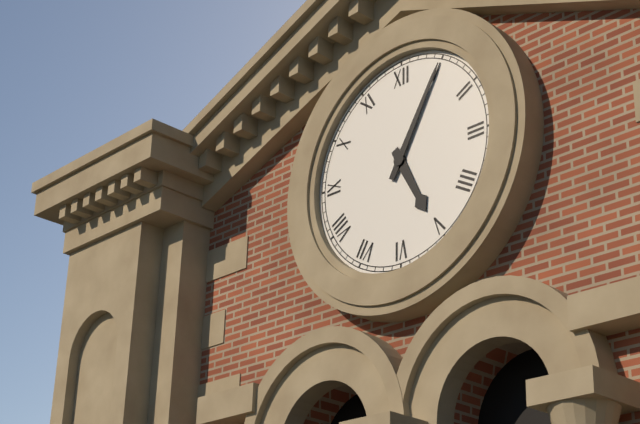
5:05
